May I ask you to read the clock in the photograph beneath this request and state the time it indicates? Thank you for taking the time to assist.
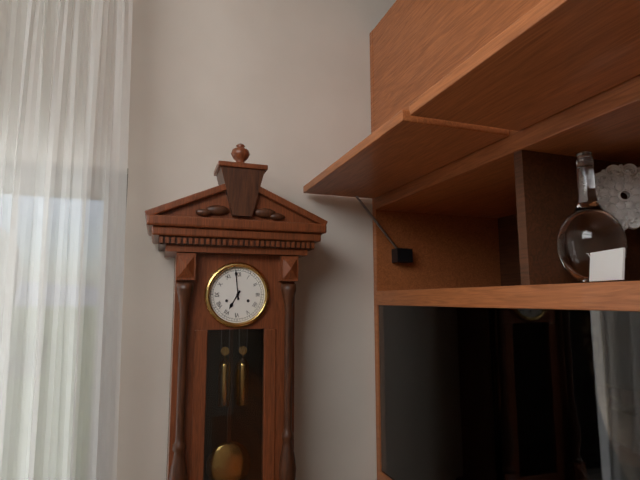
6:59
